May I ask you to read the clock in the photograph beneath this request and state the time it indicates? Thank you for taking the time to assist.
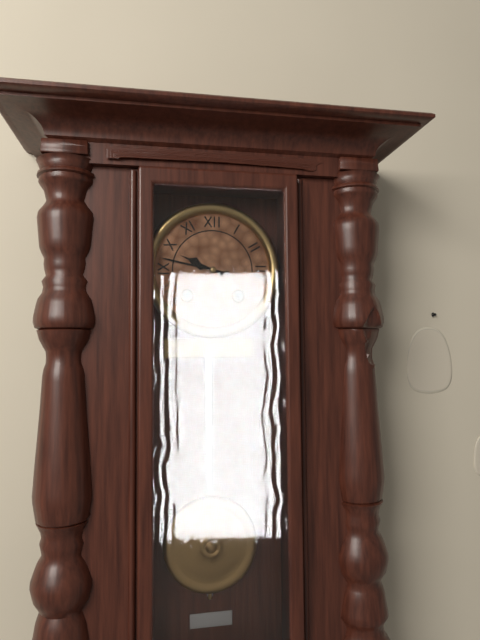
9:47
